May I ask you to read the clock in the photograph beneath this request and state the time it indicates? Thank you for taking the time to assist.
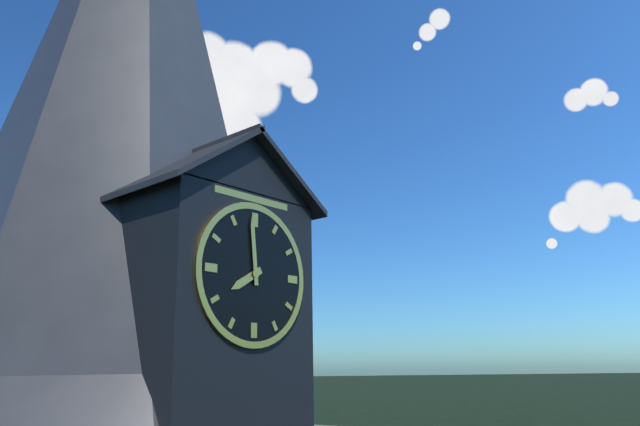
7:59
